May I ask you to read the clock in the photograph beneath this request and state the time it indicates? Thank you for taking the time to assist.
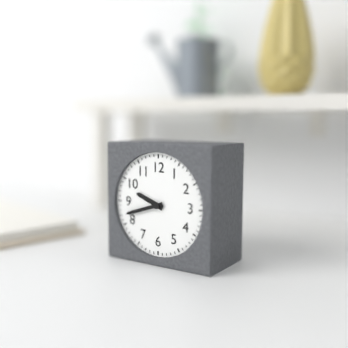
9:42
